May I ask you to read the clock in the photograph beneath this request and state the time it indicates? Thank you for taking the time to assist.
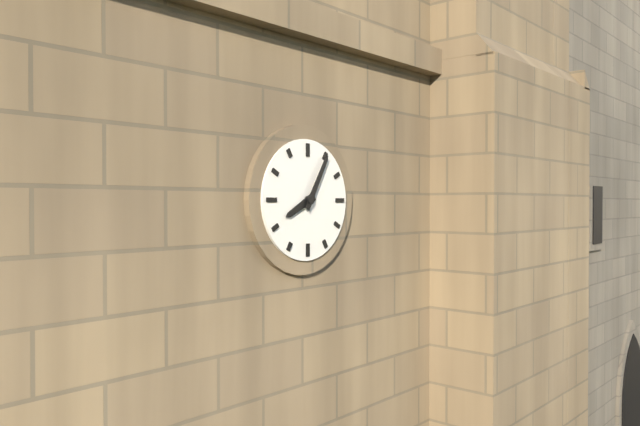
8:05
